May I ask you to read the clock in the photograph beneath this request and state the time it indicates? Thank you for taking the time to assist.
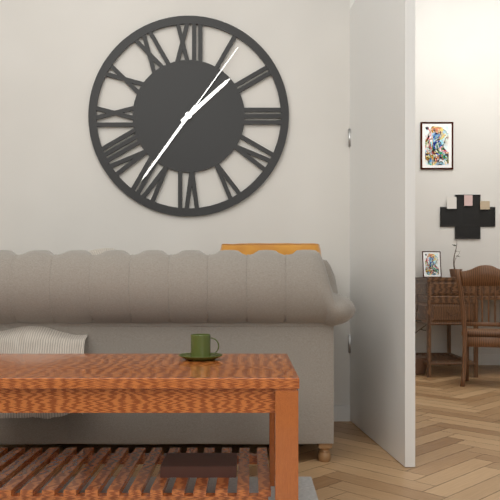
1:36:06
